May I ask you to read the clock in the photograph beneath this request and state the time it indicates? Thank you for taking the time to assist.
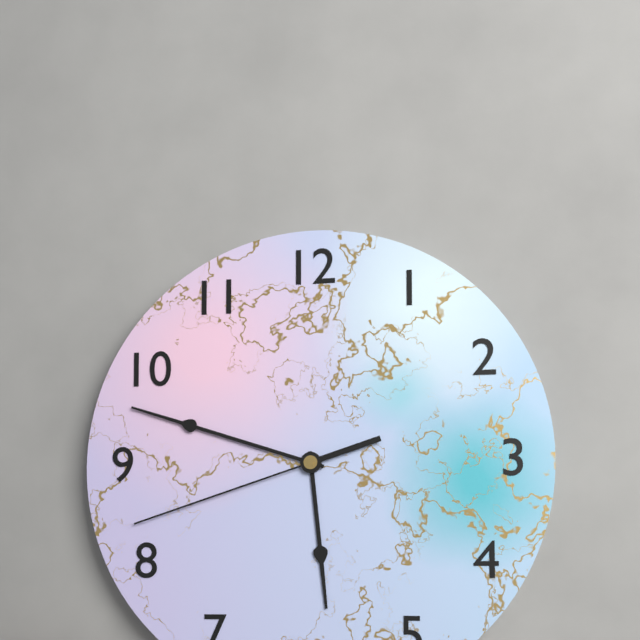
5:48:42
